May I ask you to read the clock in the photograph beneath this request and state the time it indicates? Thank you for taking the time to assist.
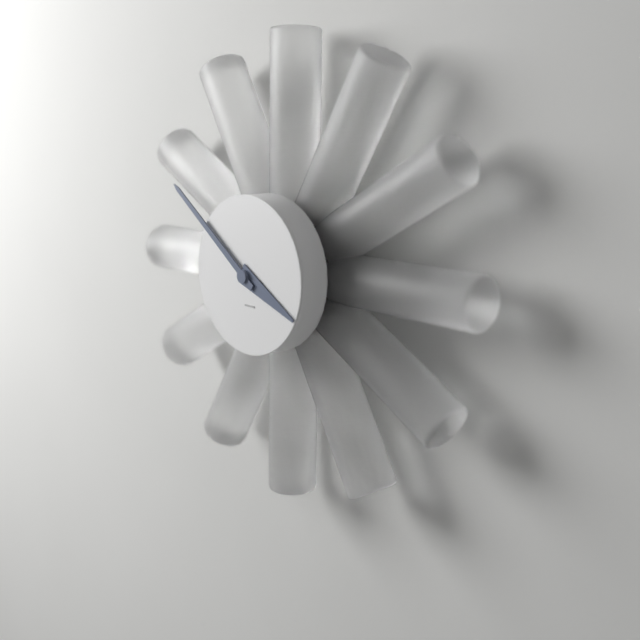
3:51
